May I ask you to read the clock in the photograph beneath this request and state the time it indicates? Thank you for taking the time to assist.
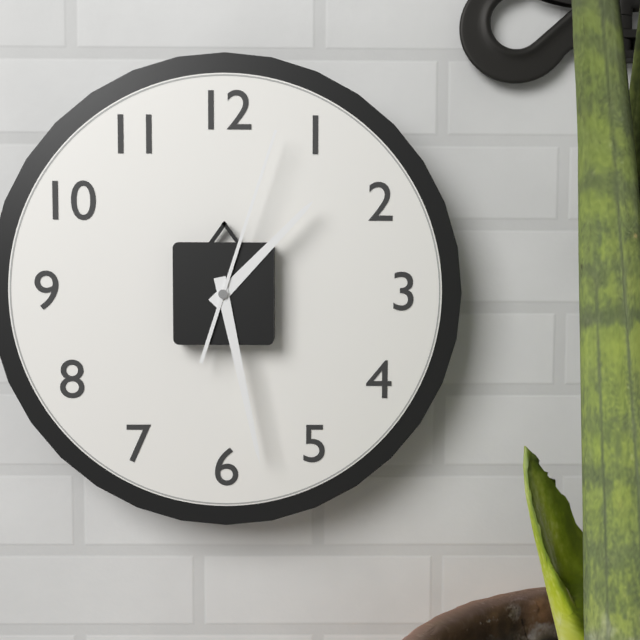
1:28:03
